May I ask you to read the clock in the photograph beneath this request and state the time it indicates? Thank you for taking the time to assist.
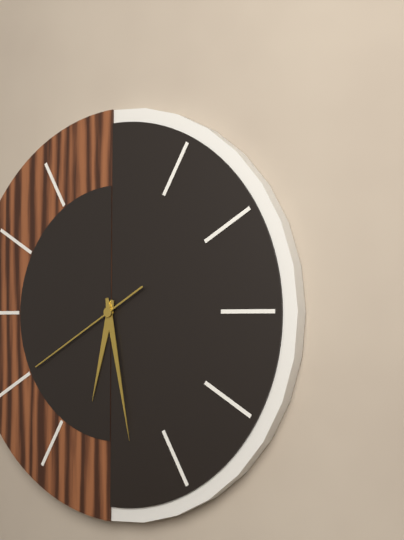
6:28:40
